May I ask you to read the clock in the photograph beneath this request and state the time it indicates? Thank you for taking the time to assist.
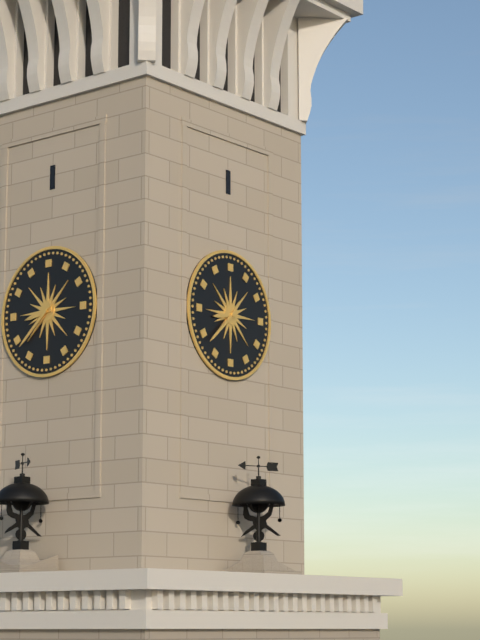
8:38
